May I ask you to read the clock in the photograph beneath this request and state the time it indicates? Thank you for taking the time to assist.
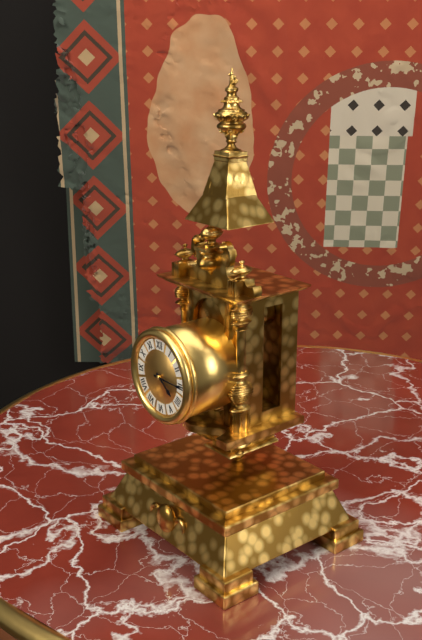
4:15
